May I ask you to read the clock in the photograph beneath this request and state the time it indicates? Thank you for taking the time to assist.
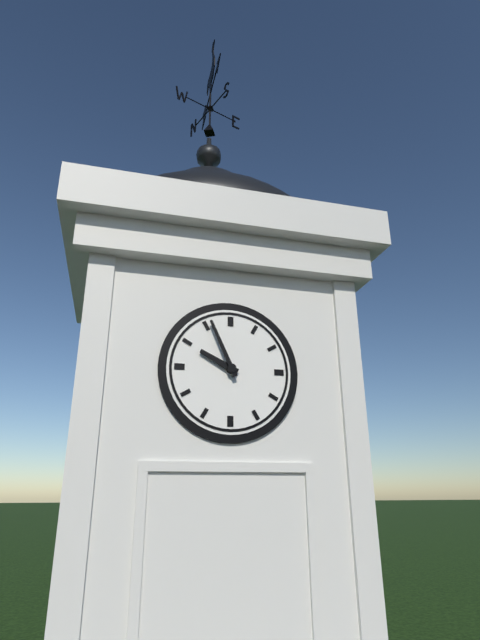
9:56
